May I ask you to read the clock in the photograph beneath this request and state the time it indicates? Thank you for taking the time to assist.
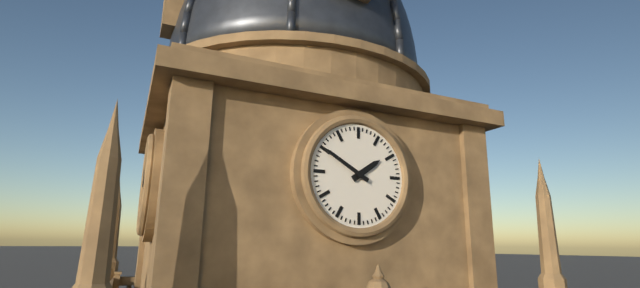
1:50
